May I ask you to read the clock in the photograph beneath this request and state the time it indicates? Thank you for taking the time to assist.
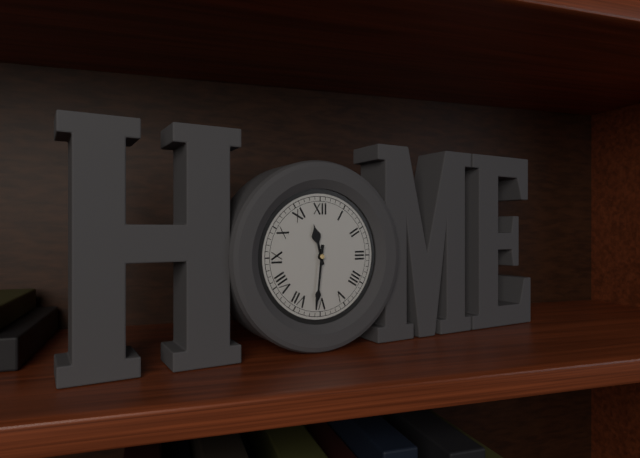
11:31
